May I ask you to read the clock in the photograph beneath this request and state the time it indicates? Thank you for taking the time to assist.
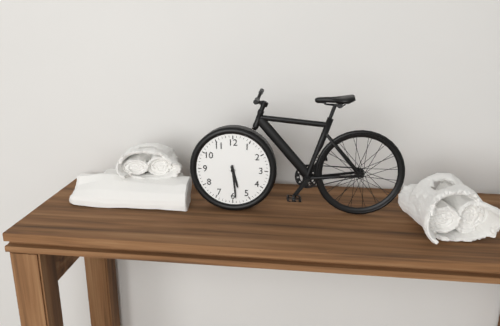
5:29
